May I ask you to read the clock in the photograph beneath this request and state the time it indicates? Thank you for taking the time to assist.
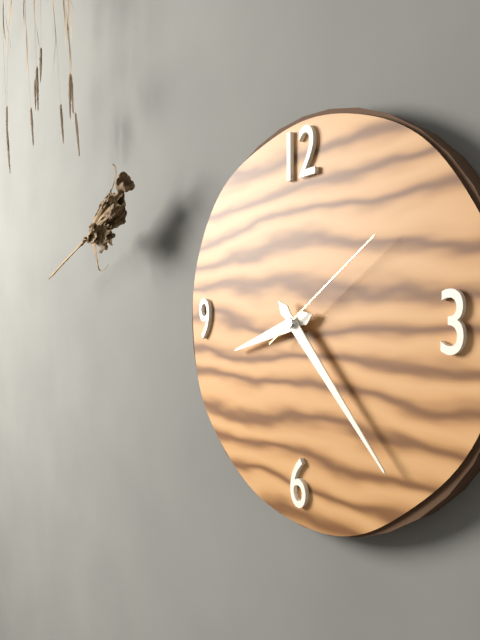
8:23:09
